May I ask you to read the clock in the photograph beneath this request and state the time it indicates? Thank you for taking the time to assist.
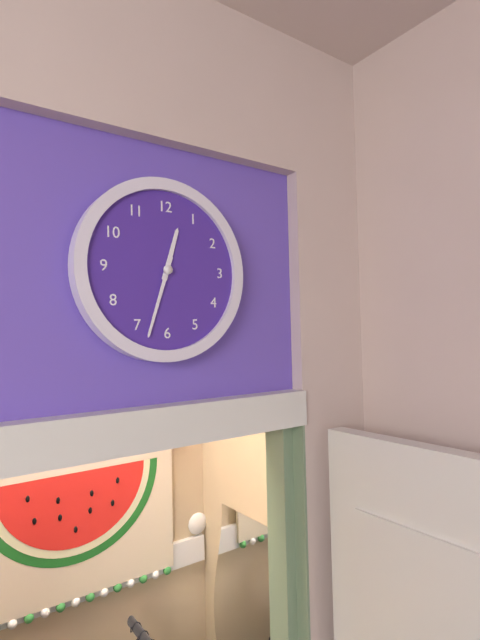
12:33
